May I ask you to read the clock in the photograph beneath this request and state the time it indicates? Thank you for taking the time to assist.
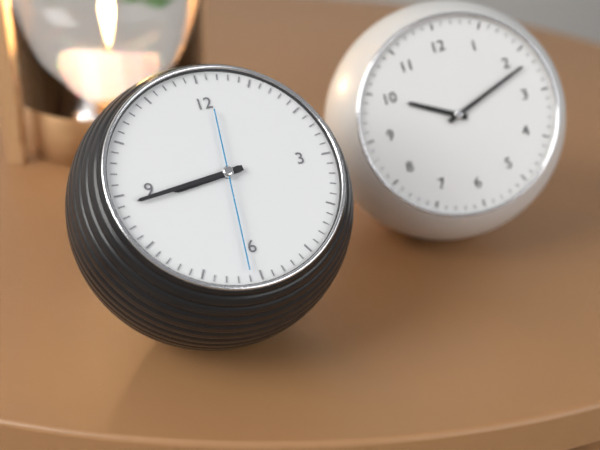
8:44:31
